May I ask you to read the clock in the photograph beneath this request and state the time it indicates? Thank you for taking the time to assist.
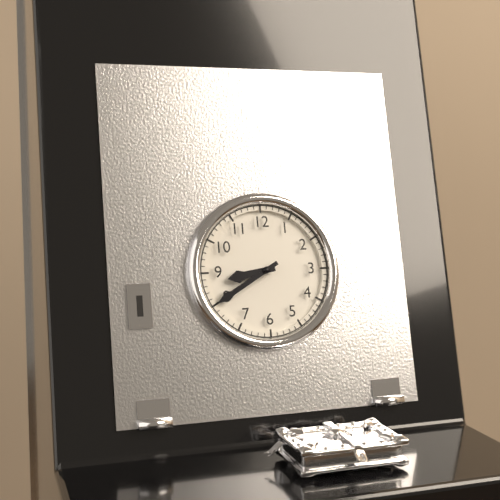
8:40
